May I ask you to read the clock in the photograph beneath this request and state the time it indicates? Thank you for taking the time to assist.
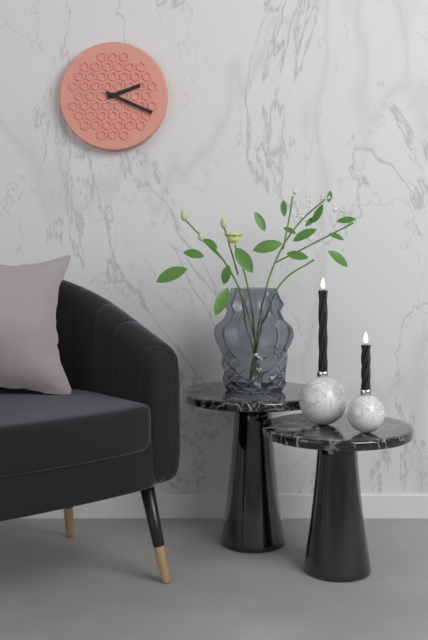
2:19
